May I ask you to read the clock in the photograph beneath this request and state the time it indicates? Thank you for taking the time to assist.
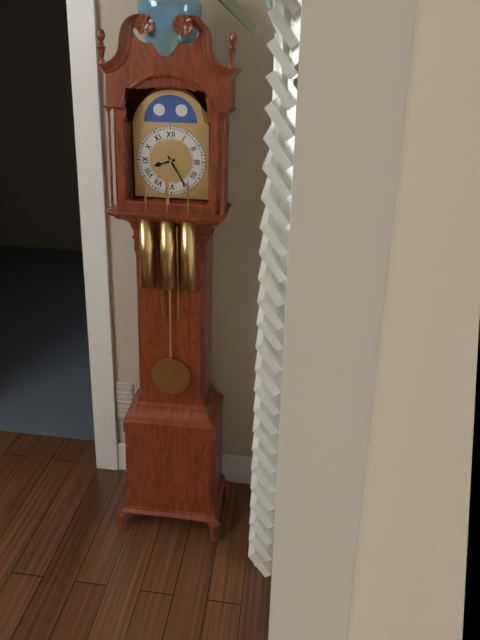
8:25
